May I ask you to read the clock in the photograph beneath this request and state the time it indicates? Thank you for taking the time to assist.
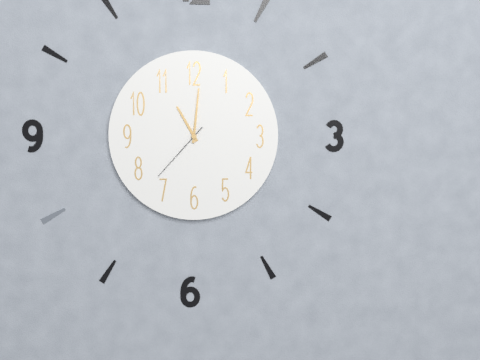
11:01:37
